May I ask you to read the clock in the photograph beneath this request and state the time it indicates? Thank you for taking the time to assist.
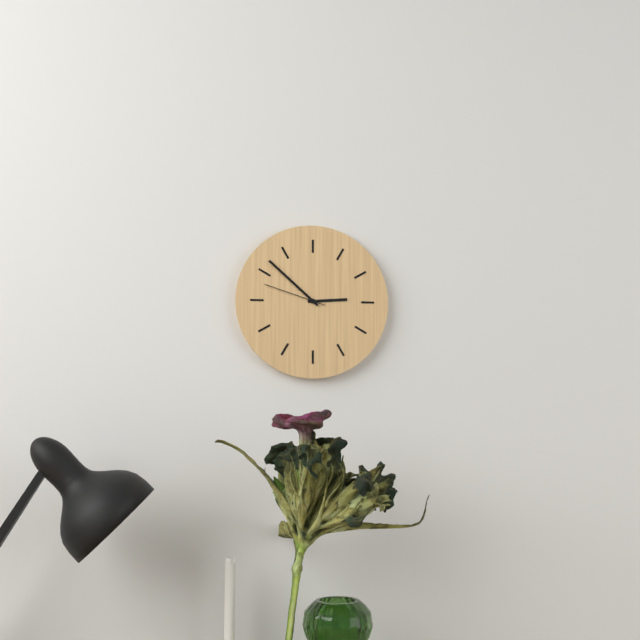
2:52:48
